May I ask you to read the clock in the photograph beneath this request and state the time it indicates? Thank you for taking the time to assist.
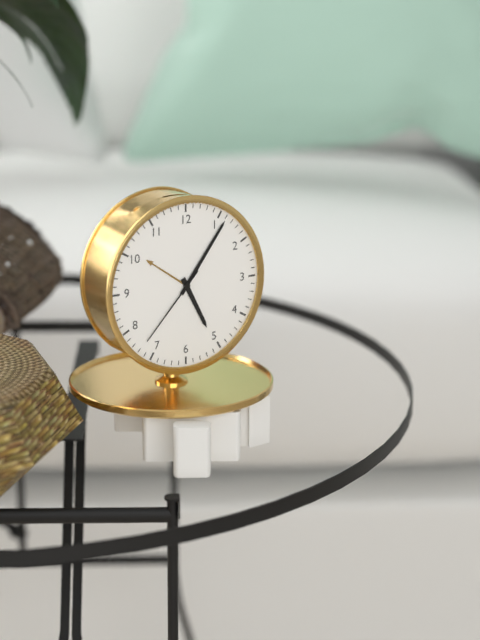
5:06:37
